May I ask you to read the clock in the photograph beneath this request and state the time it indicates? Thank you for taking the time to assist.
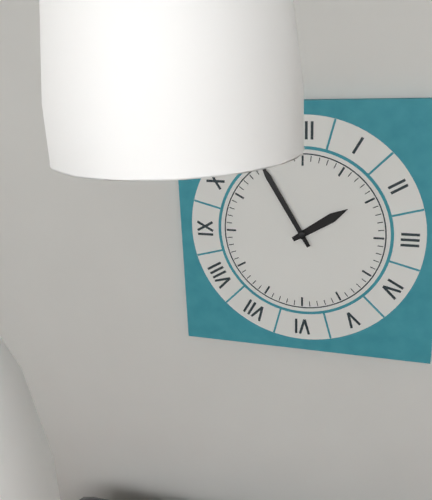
1:55
